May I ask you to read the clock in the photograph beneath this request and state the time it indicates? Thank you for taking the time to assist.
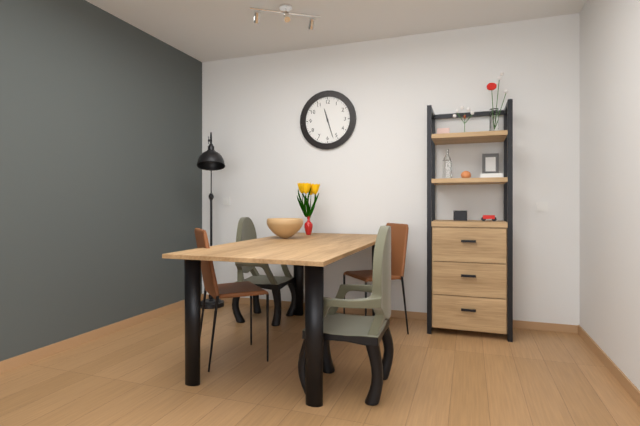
11:27
